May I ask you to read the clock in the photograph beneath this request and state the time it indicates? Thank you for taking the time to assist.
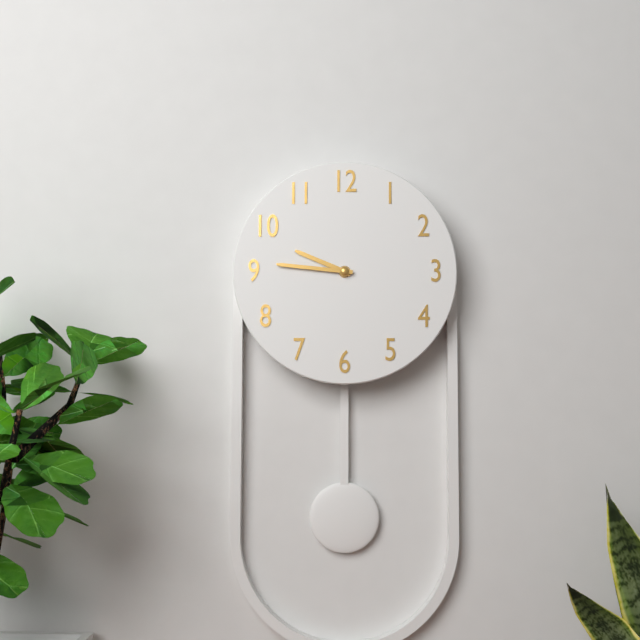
9:46
